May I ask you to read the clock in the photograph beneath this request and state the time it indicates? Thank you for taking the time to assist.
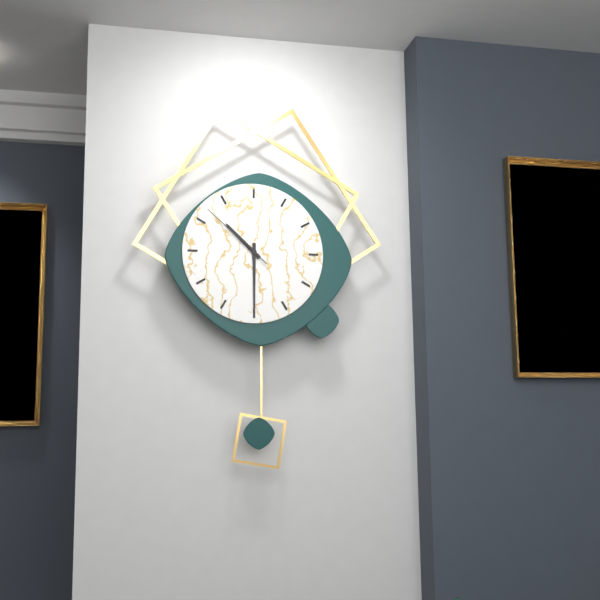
10:30:52
